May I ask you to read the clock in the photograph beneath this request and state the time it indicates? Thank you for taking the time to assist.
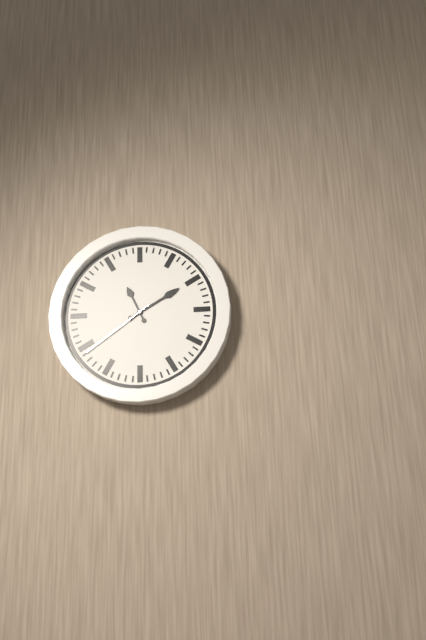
11:10:39
